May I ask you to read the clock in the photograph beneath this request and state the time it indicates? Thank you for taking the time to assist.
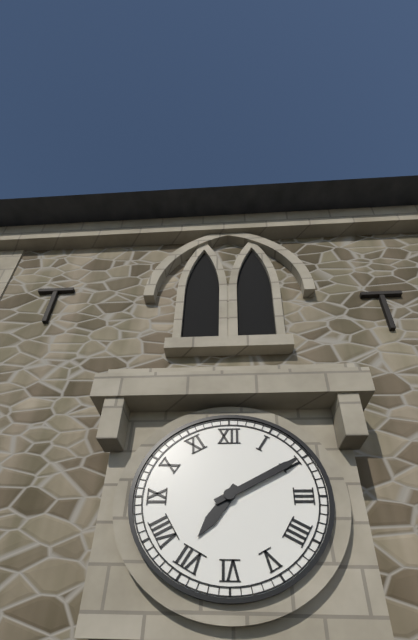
7:10
